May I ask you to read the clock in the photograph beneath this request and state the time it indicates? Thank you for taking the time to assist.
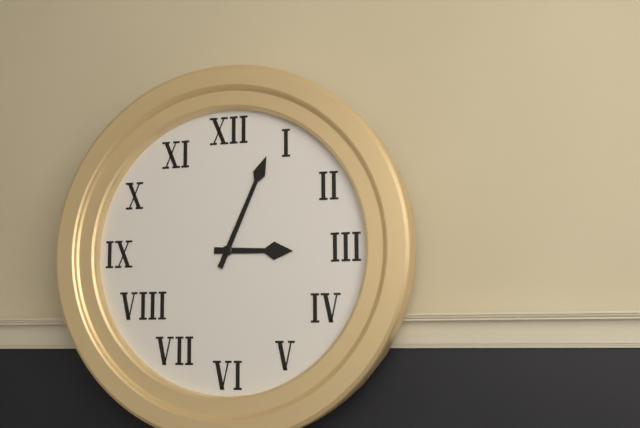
3:04
